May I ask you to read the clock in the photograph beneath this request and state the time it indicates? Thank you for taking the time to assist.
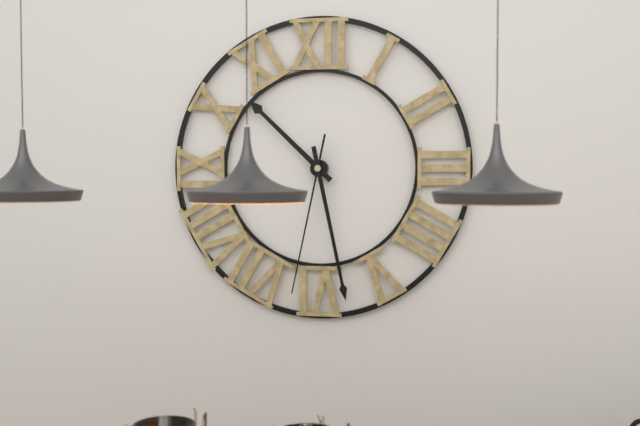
10:28:32
